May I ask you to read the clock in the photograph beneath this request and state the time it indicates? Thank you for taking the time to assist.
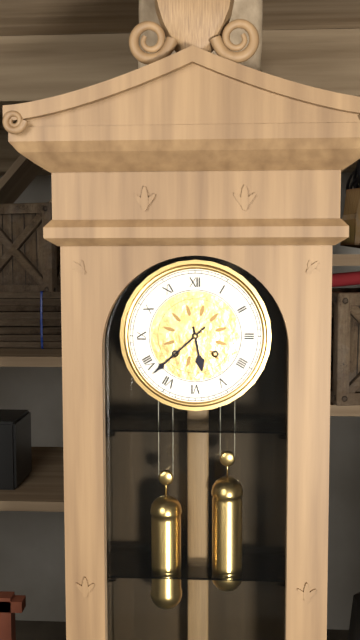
5:38
